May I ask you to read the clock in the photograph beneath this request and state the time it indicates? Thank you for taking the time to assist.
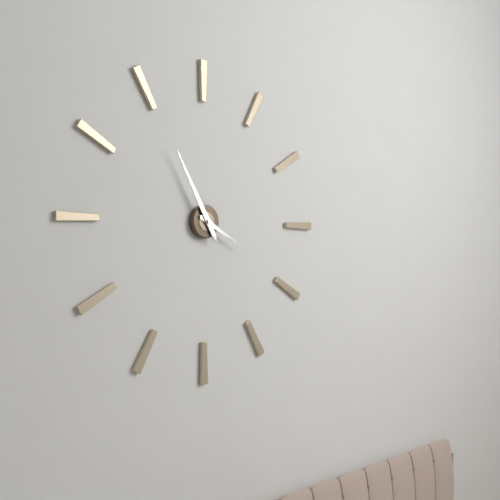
3:55
